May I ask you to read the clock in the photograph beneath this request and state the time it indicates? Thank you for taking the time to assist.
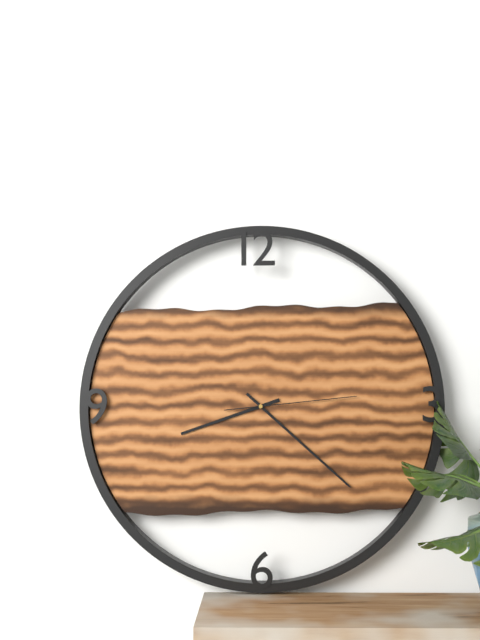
8:22:14
